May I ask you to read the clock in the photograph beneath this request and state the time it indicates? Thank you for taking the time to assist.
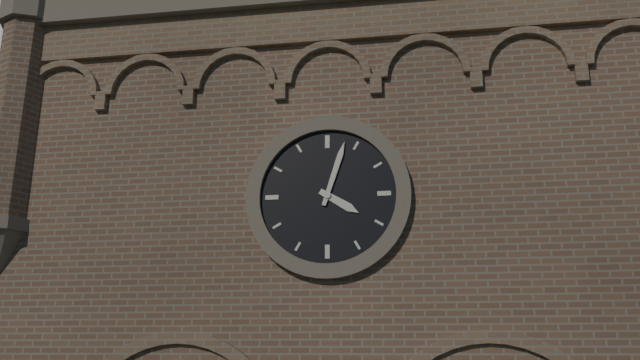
4:03
